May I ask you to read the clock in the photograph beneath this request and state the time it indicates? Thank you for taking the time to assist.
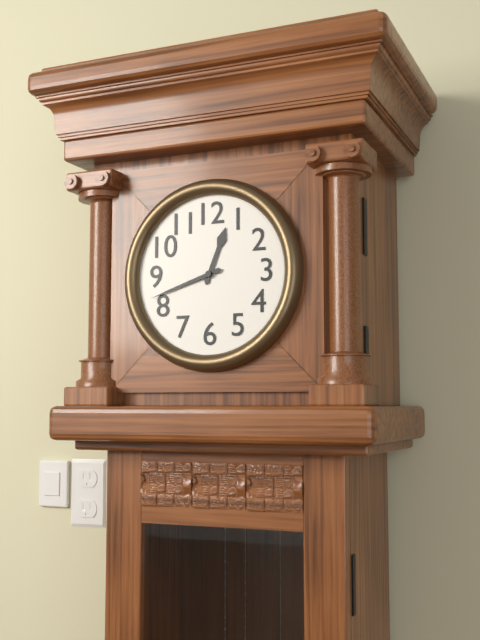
12:42
